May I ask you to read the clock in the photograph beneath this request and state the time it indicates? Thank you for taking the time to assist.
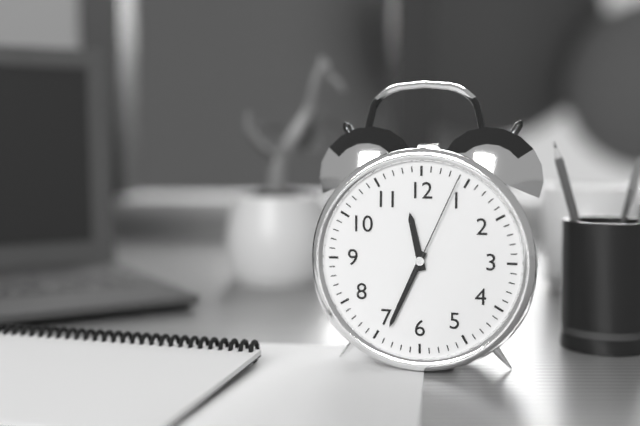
11:34:04
